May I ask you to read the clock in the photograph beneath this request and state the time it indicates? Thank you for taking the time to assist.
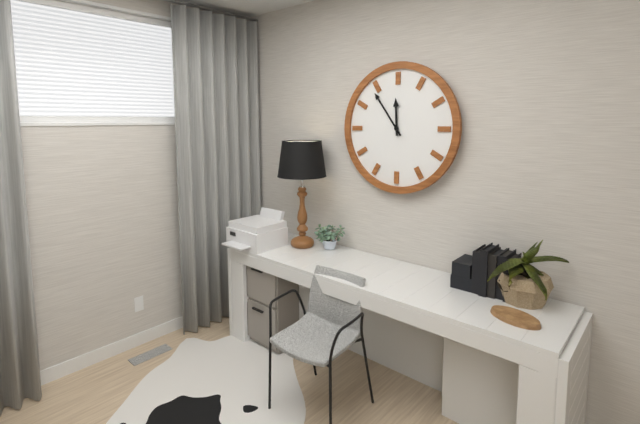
11:54
